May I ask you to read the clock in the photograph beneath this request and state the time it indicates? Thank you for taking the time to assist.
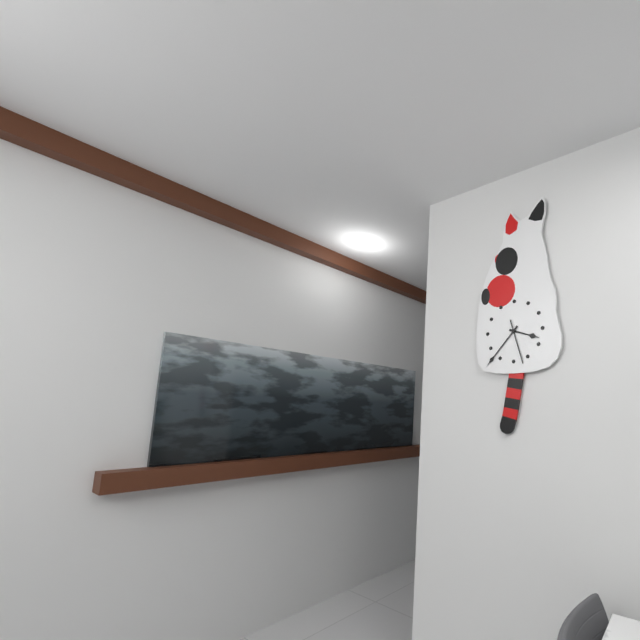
3:37
